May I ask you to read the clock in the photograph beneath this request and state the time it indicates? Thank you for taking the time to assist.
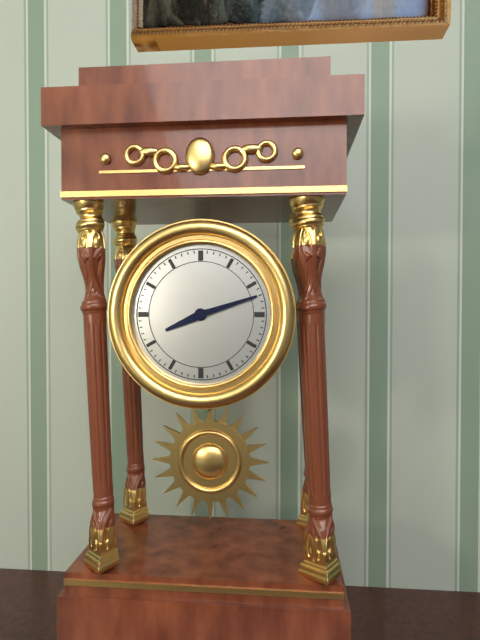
8:12
